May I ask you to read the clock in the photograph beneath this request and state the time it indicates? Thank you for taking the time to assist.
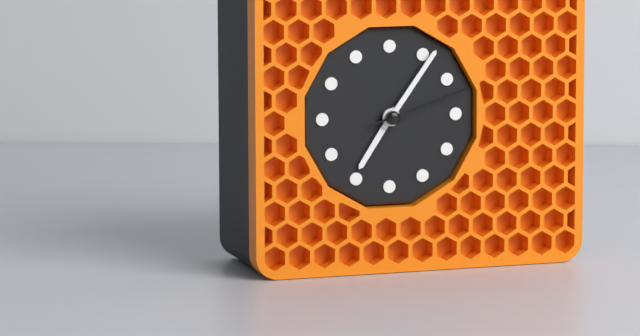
7:06:12
